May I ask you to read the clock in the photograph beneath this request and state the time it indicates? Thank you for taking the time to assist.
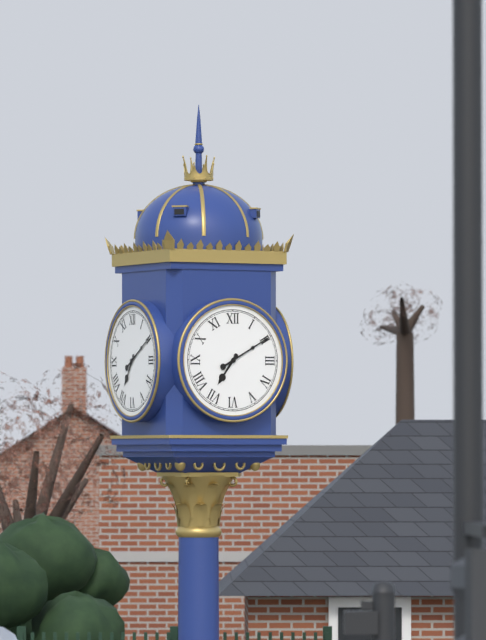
7:10
